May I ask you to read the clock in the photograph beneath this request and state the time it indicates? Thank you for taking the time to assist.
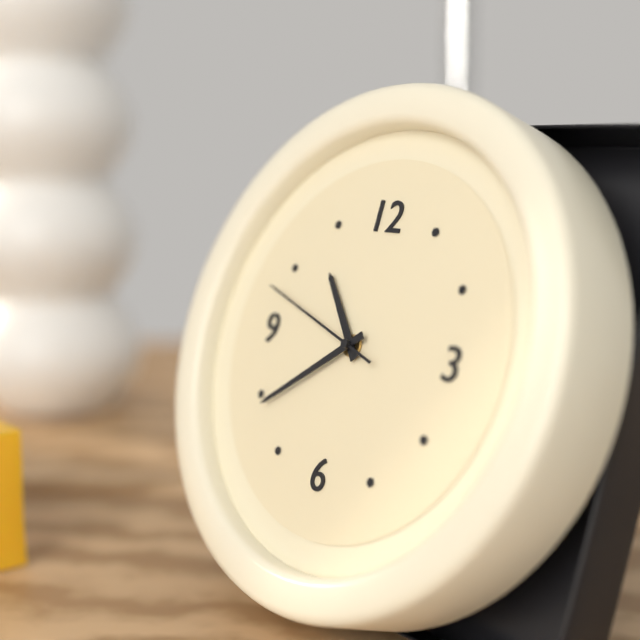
10:39:48
